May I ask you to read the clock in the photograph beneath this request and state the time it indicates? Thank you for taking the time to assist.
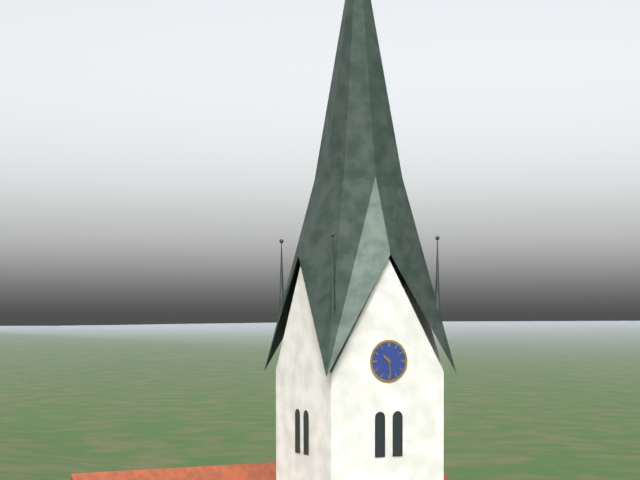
10:29
